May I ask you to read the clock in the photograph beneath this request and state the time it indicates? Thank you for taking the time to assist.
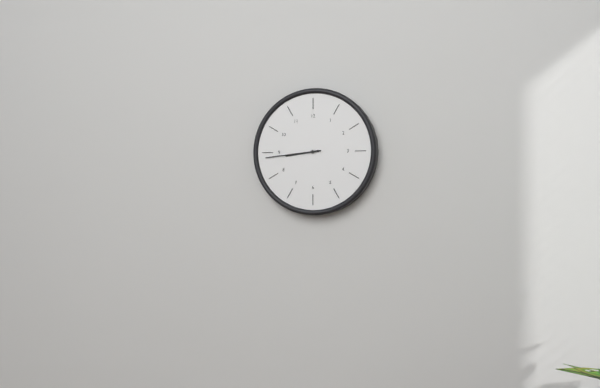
8:44
